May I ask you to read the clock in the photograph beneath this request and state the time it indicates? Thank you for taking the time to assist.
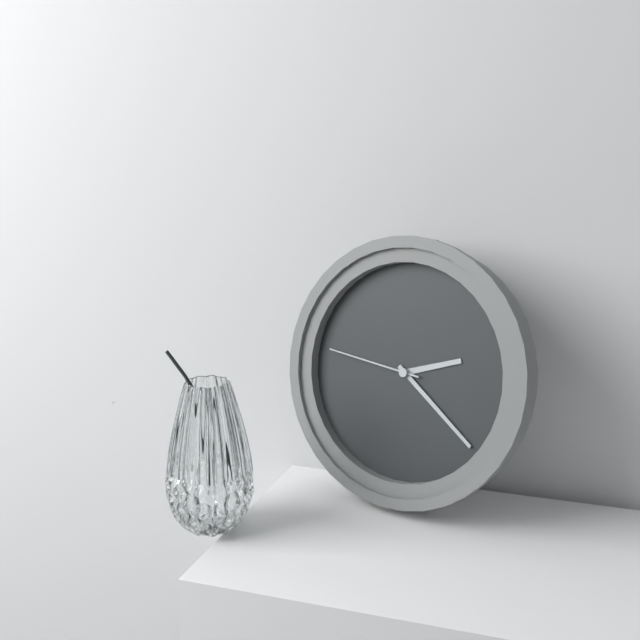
2:21:46
